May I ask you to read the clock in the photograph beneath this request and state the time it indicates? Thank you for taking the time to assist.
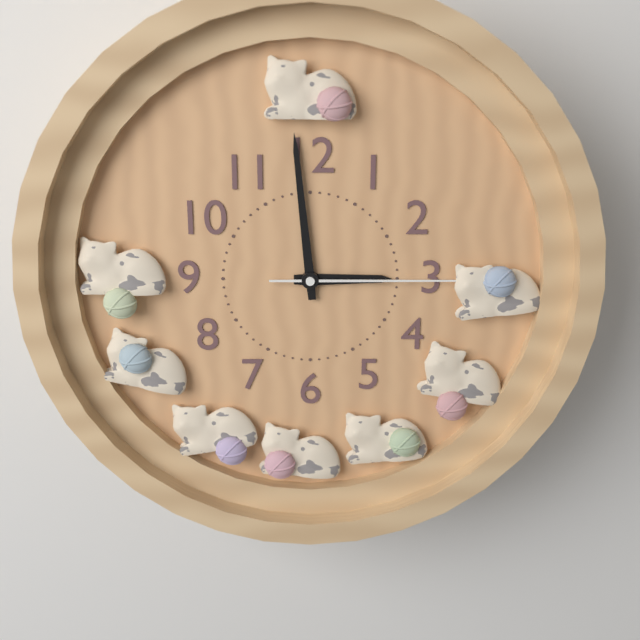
2:59:15
